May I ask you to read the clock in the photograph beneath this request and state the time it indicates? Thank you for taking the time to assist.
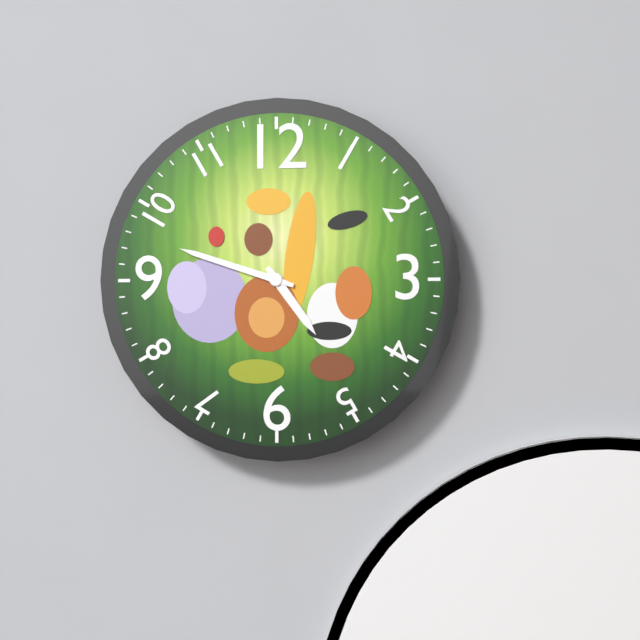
4:48
